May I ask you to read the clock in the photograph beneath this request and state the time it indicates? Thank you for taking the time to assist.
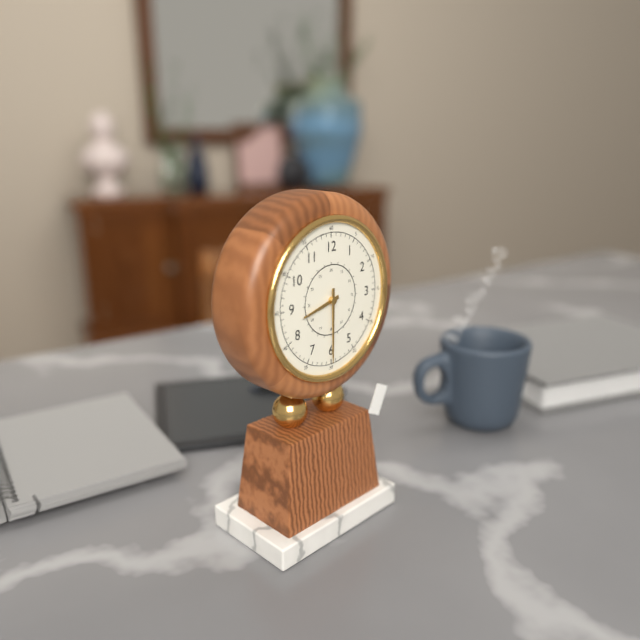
8:30
